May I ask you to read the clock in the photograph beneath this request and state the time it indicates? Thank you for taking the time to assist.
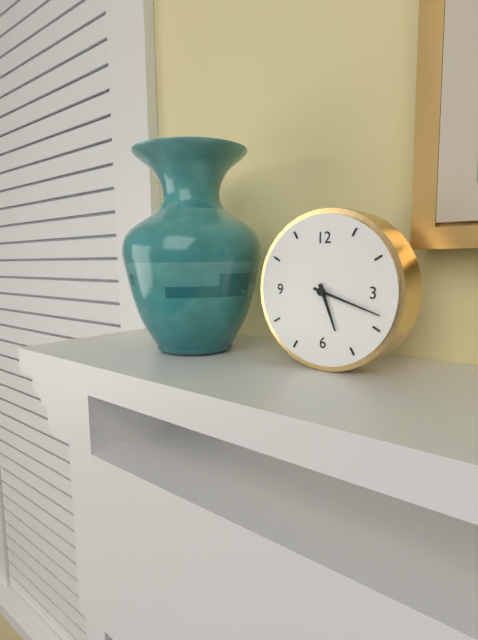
5:18
